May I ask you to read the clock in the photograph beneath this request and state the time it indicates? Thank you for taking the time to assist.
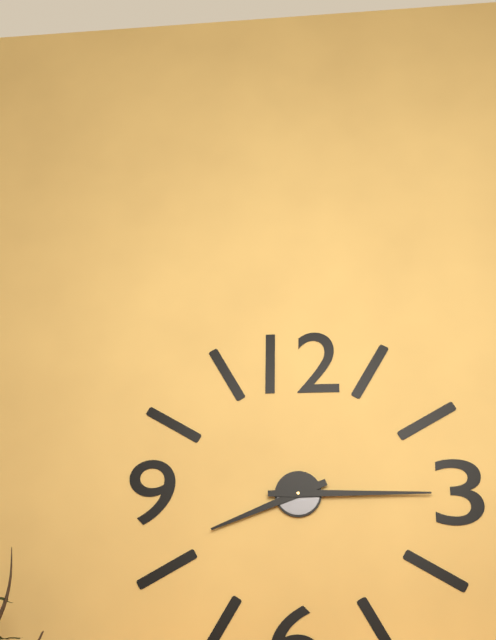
8:15
